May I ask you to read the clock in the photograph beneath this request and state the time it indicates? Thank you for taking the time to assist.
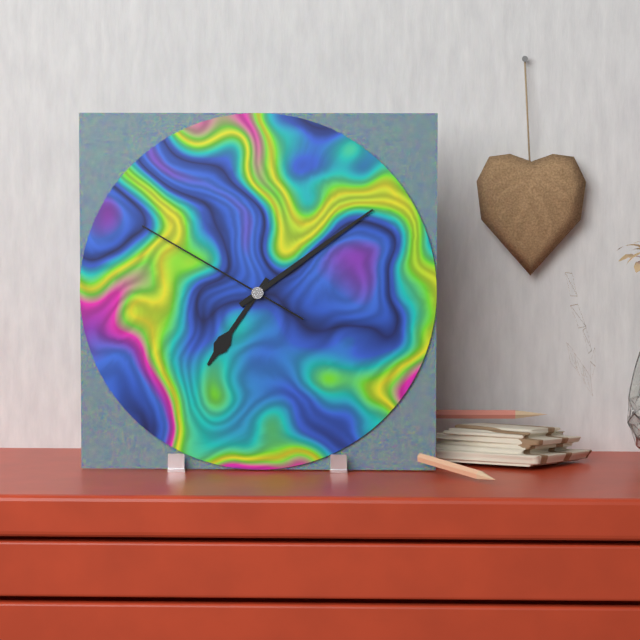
7:09:50
